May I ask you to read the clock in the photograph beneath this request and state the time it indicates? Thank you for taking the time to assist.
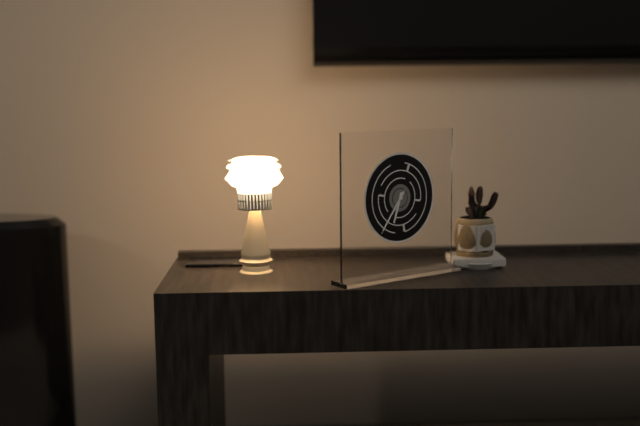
6:36
